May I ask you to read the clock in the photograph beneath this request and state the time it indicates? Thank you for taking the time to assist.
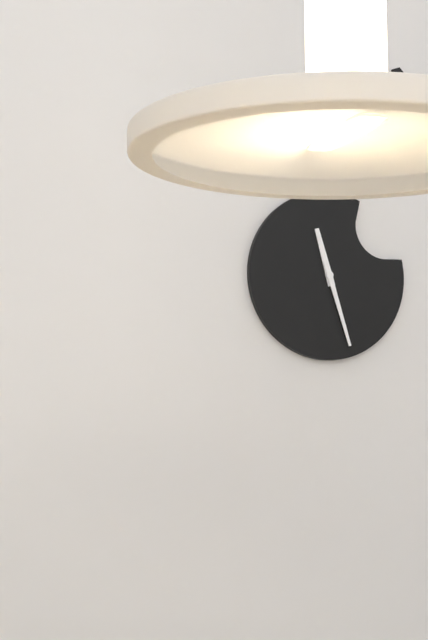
11:27
